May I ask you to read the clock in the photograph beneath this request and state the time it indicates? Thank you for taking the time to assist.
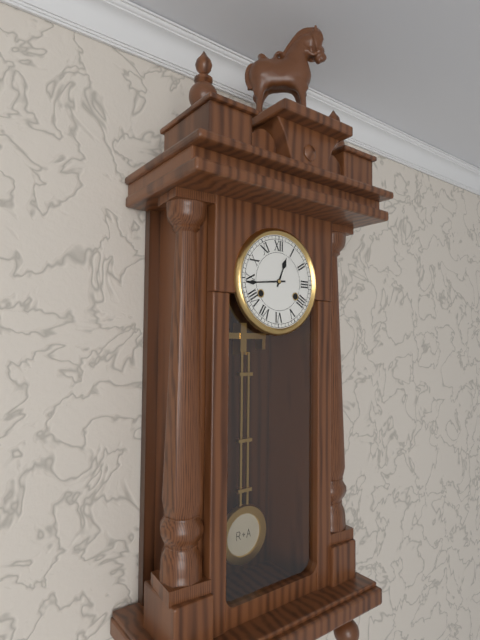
12:44
